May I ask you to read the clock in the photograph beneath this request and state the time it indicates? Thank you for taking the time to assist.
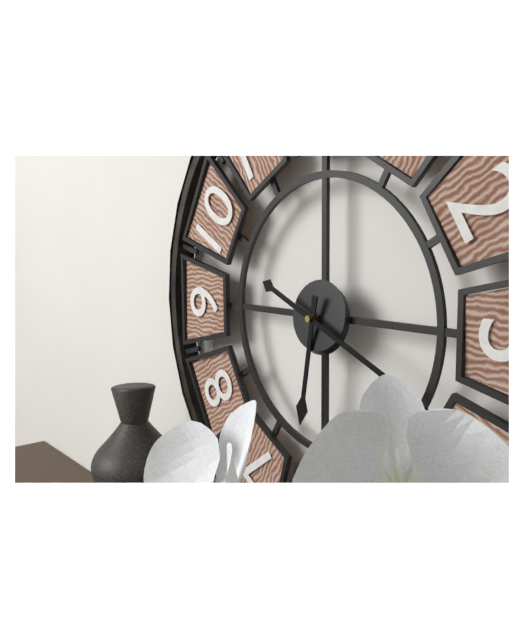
6:19
